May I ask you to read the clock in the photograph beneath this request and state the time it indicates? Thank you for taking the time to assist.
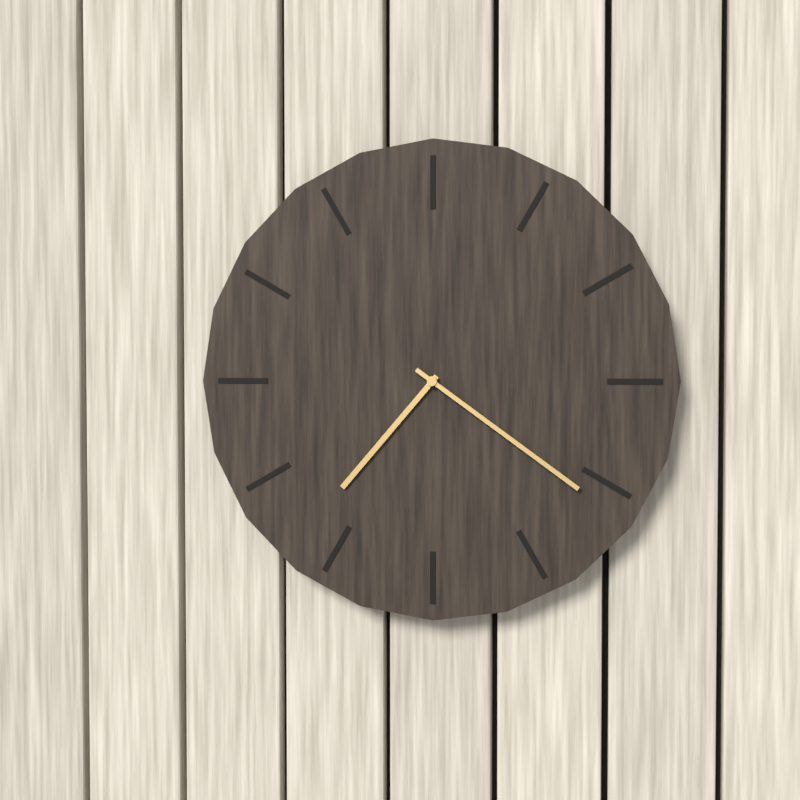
7:21
